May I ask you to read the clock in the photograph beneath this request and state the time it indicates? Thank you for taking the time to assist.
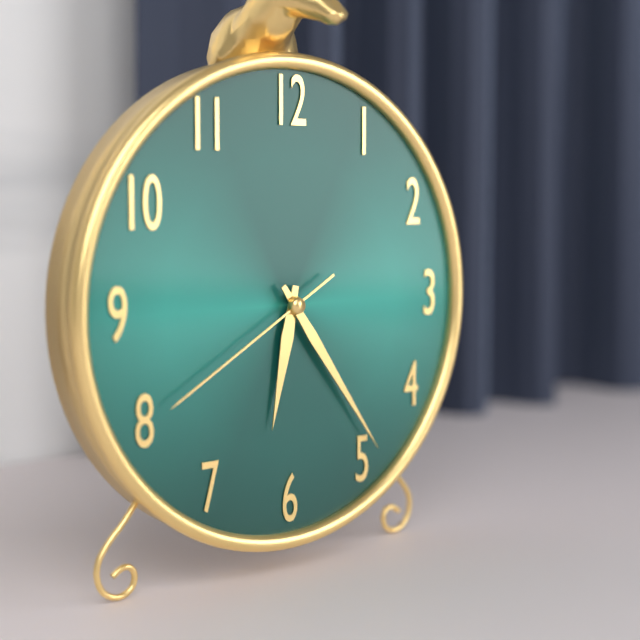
6:24:40
